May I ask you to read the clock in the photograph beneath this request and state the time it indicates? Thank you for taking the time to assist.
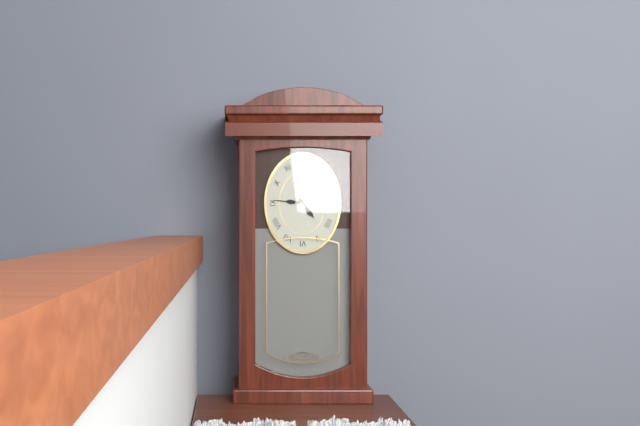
4:46
